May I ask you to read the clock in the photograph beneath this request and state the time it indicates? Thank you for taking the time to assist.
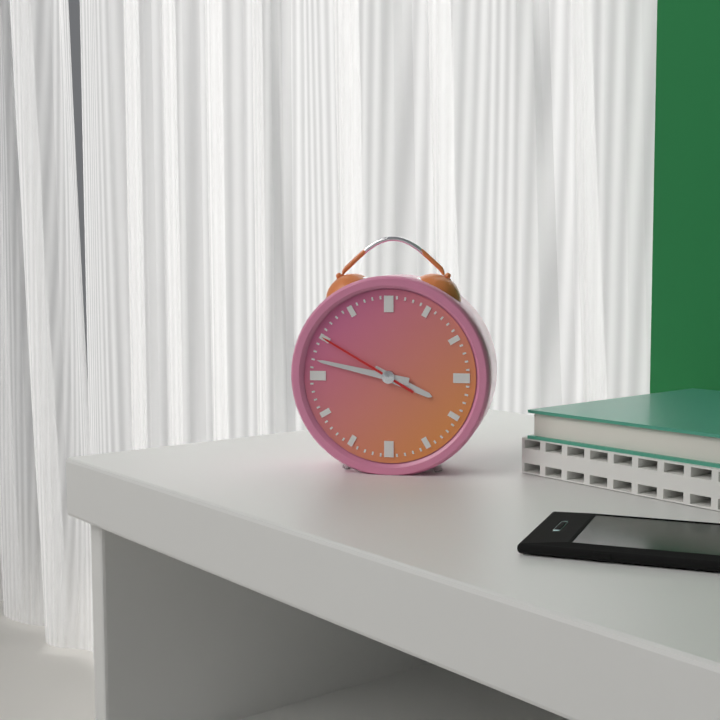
3:47:50
